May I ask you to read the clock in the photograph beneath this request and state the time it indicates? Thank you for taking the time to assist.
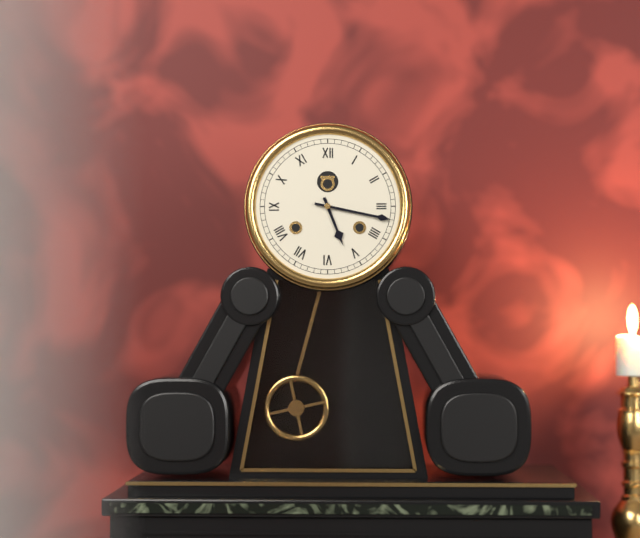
5:17
